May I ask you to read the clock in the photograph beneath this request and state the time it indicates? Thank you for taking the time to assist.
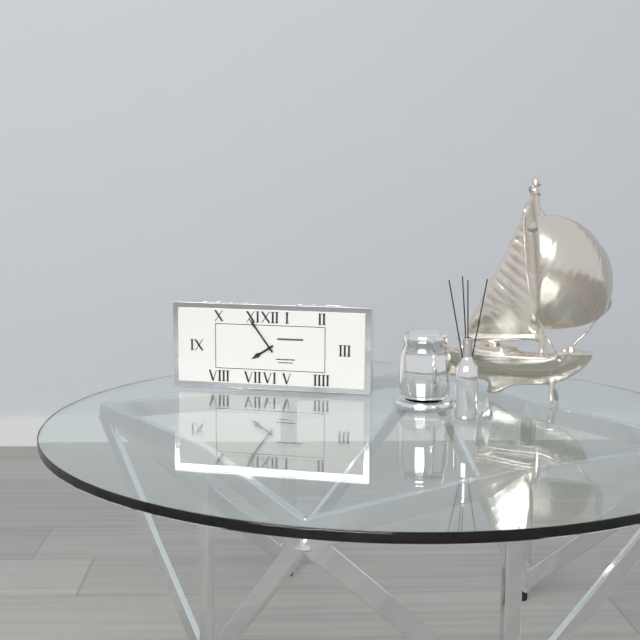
7:54
